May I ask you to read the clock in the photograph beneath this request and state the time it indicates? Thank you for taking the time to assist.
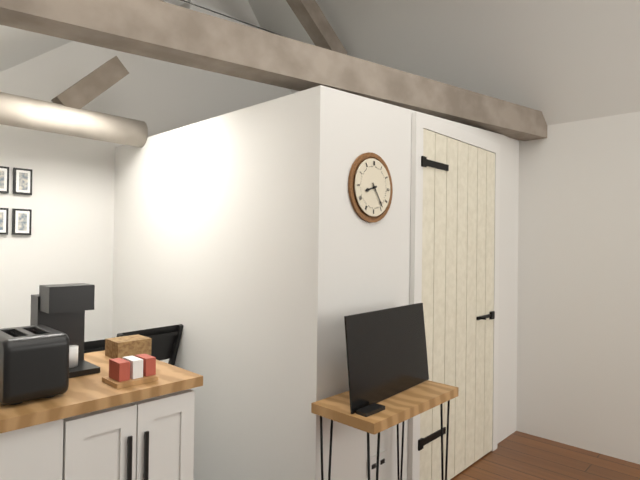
8:24
